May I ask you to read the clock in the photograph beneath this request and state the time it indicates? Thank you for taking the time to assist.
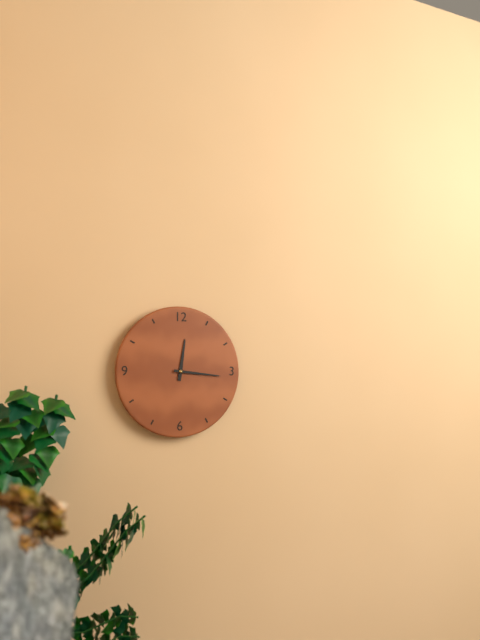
12:16
